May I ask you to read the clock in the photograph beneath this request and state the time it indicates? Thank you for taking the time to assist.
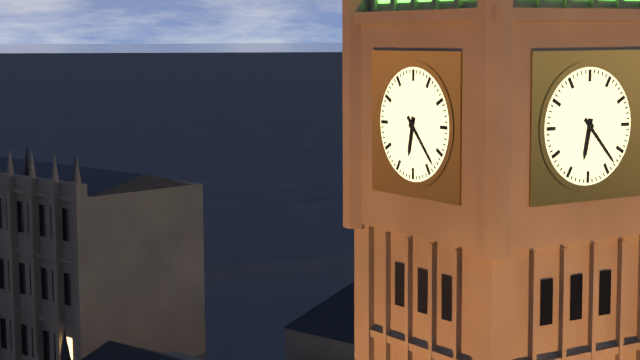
6:23
